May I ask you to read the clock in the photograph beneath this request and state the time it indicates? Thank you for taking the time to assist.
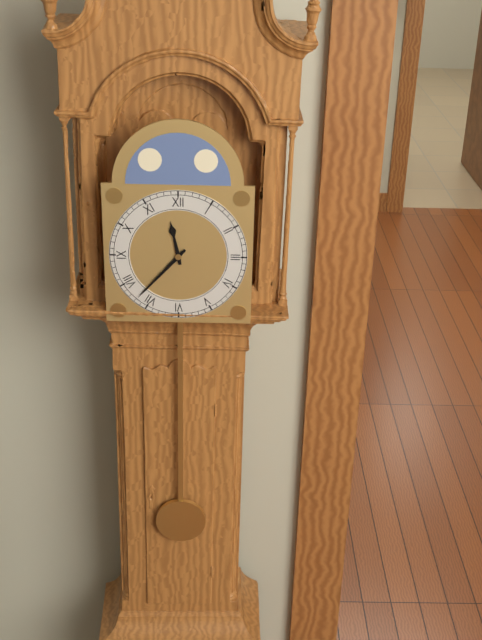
11:37
